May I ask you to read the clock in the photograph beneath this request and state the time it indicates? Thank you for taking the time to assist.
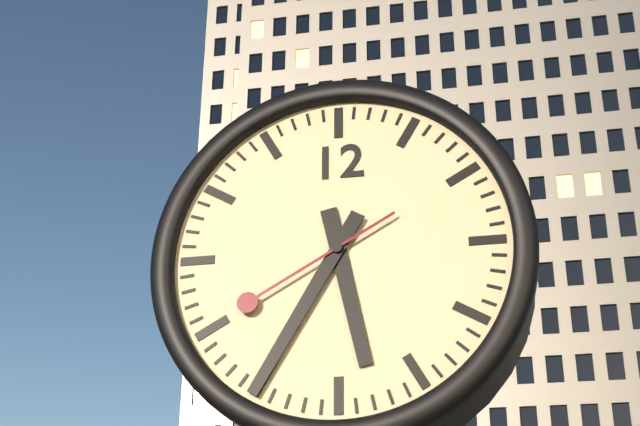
5:35:40
